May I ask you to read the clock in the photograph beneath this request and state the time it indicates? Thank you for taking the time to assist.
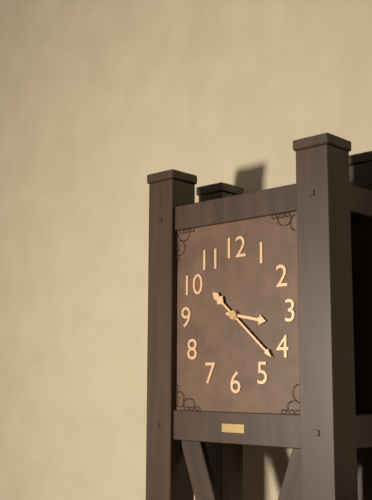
3:22
